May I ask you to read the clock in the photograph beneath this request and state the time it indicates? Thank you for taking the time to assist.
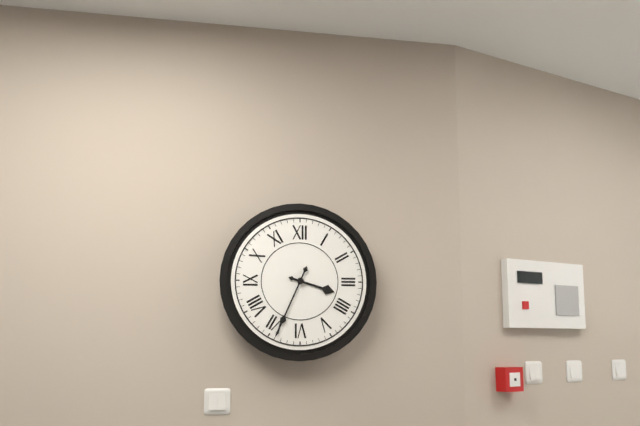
3:34
